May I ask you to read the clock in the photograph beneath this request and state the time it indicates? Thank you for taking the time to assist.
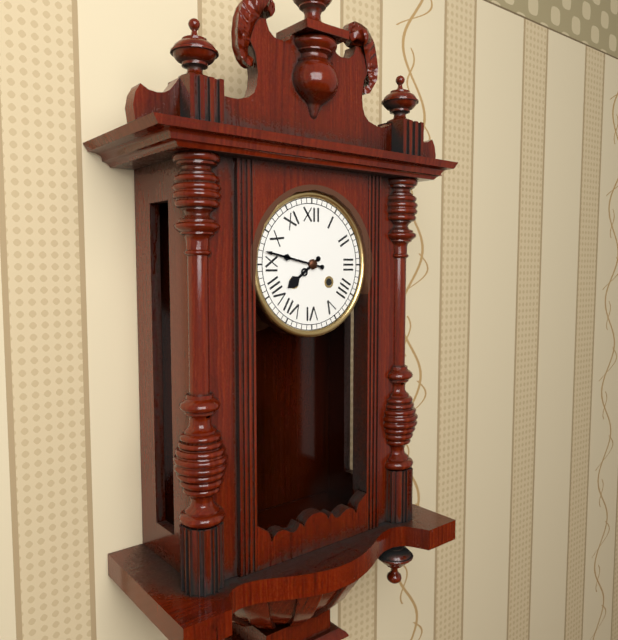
7:47
